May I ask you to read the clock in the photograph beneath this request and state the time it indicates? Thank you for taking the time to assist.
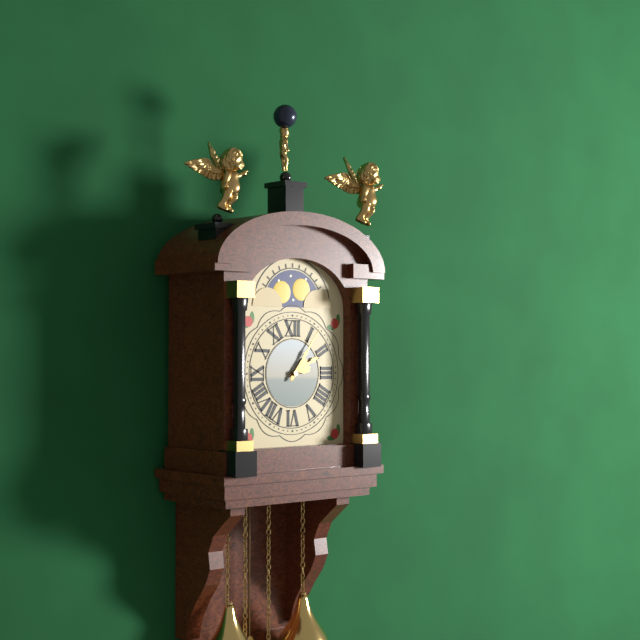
2:06
